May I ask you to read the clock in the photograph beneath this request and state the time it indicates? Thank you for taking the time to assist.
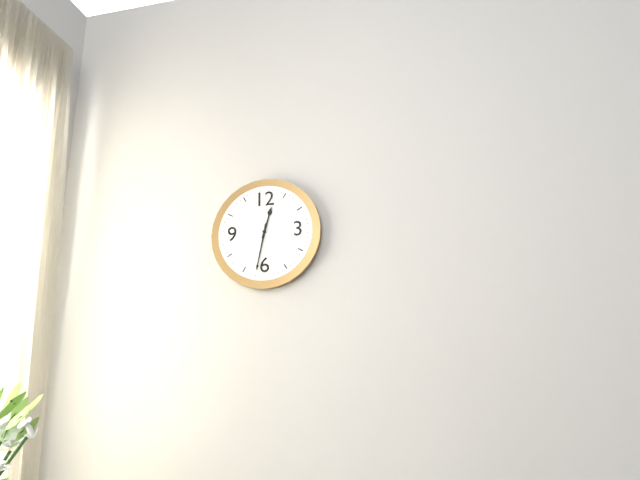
12:32
